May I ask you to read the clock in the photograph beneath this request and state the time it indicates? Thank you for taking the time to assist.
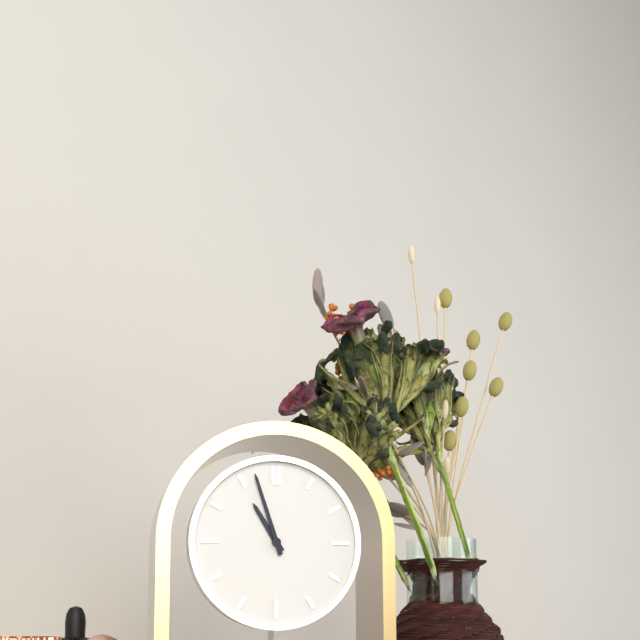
10:57
